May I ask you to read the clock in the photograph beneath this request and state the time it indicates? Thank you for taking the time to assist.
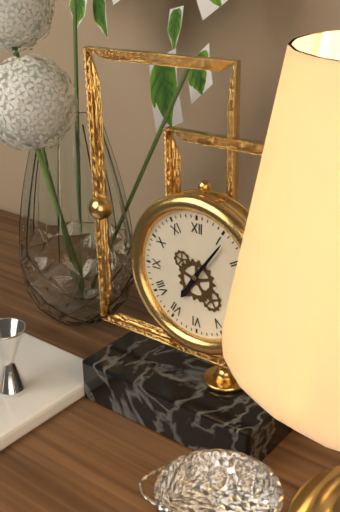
7:06
